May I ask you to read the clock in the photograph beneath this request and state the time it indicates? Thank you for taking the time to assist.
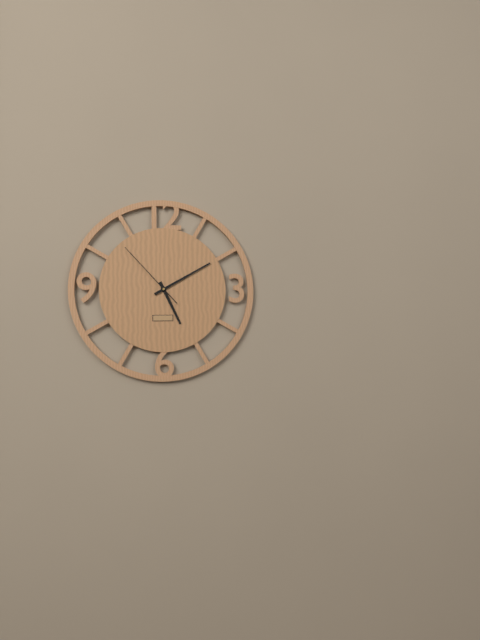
5:10:53
